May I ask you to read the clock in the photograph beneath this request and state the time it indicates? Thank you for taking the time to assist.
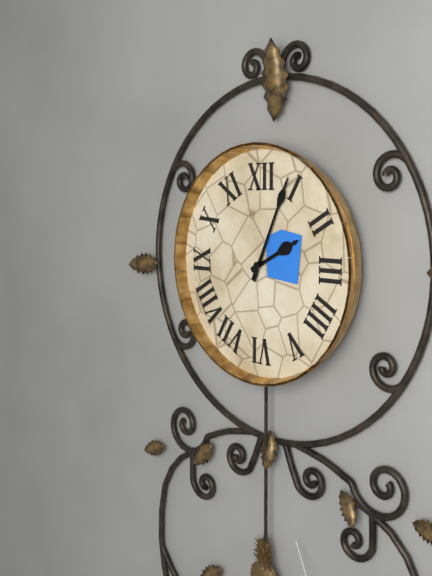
2:04
